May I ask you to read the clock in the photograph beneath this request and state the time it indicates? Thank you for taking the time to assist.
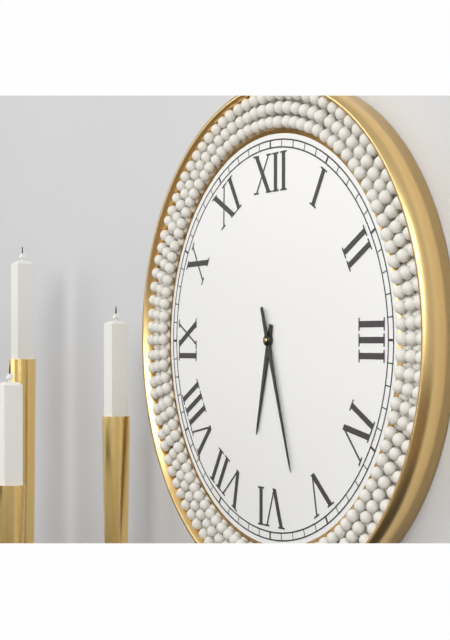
6:27
